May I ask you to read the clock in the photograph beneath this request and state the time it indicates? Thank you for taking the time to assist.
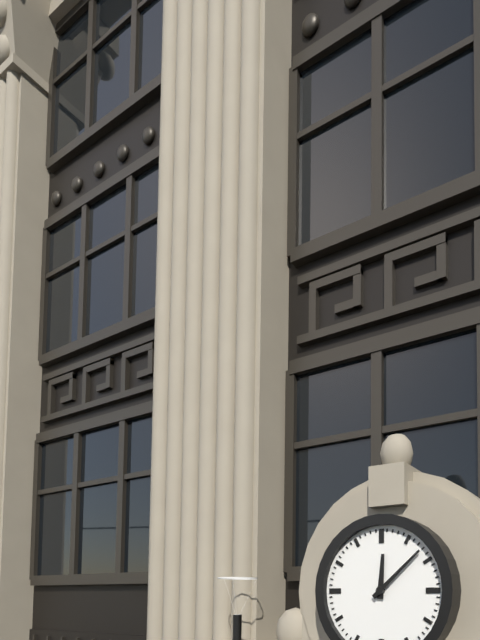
12:08
